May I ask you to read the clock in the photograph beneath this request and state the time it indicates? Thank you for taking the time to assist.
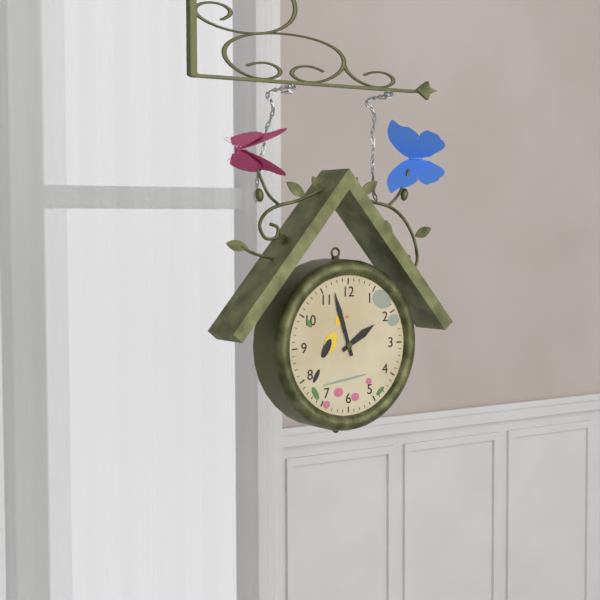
1:57
